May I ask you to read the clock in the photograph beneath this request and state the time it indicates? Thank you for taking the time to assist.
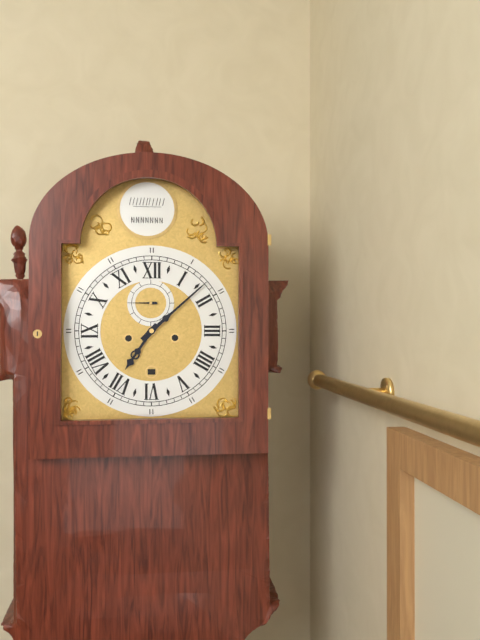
7:08
